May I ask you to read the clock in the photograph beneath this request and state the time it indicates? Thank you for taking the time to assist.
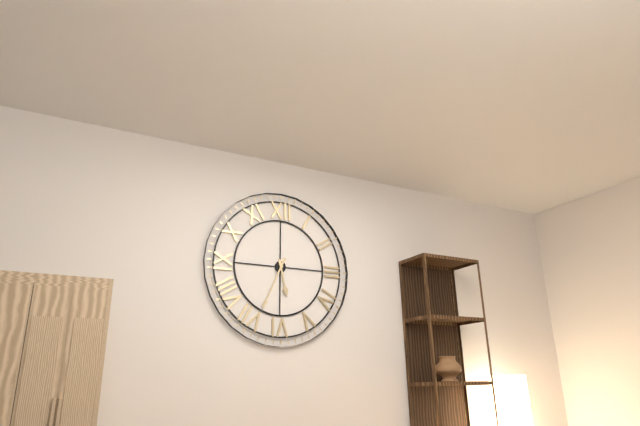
5:34
